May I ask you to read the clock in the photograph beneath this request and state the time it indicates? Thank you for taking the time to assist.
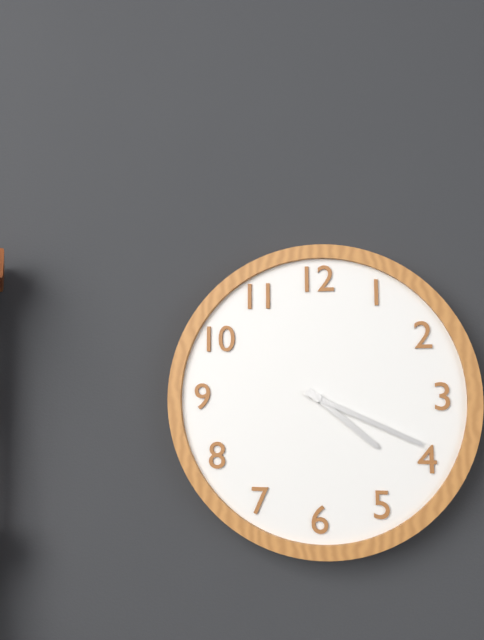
4:19
